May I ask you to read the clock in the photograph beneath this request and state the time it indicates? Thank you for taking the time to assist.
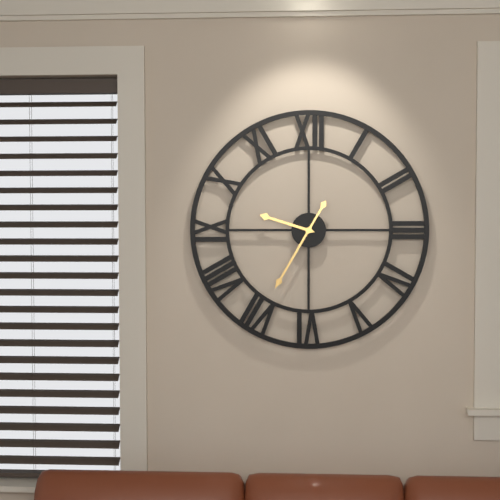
9:35
